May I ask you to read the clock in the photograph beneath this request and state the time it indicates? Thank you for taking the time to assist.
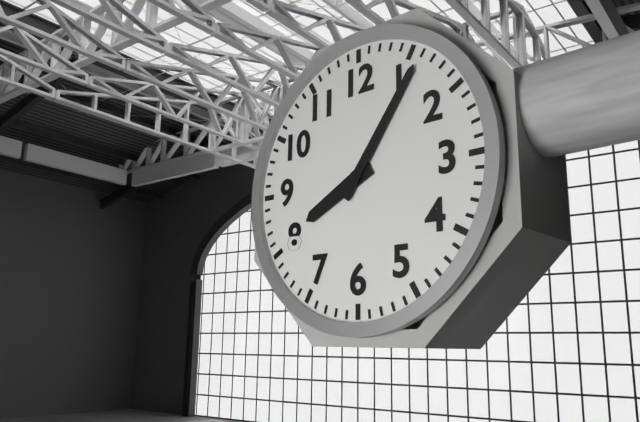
8:06
